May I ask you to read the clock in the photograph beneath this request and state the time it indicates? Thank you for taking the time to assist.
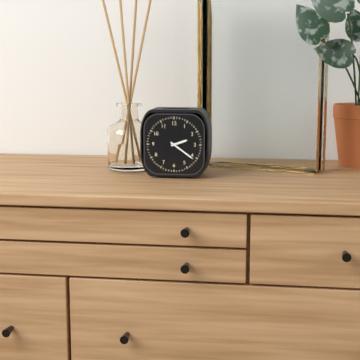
2:21
